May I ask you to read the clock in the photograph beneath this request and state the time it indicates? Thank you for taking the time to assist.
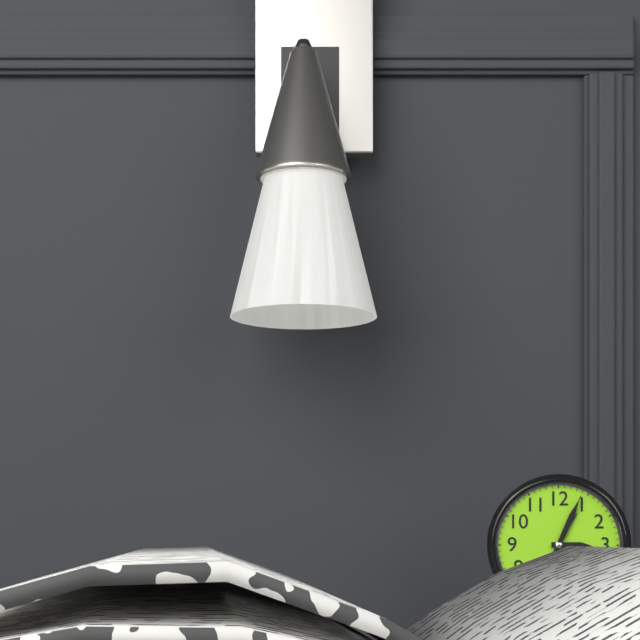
3:04:04
